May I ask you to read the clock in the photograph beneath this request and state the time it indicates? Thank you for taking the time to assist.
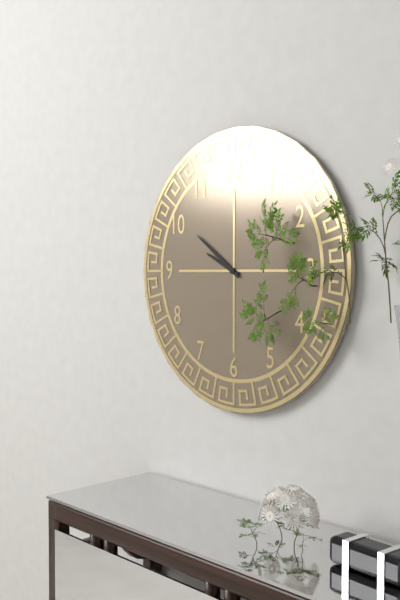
9:51
